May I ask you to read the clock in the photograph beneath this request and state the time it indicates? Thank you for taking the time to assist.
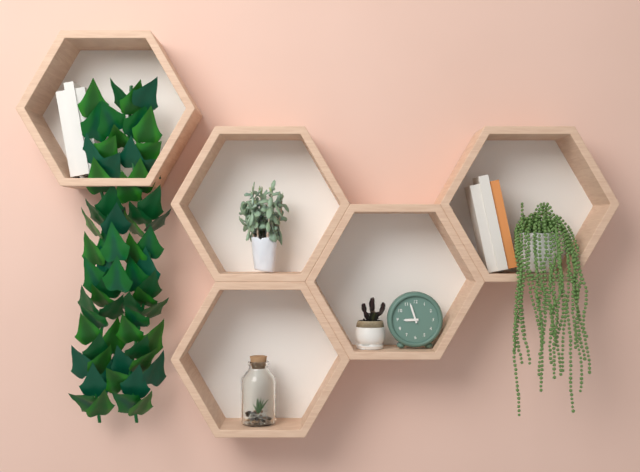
8:57
